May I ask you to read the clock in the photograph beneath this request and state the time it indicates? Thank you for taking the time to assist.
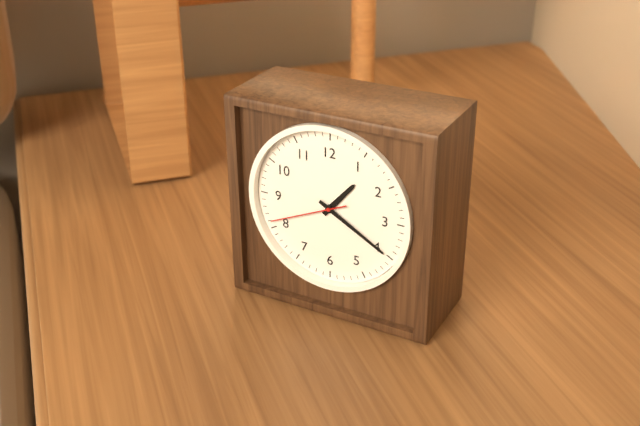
1:20:41
